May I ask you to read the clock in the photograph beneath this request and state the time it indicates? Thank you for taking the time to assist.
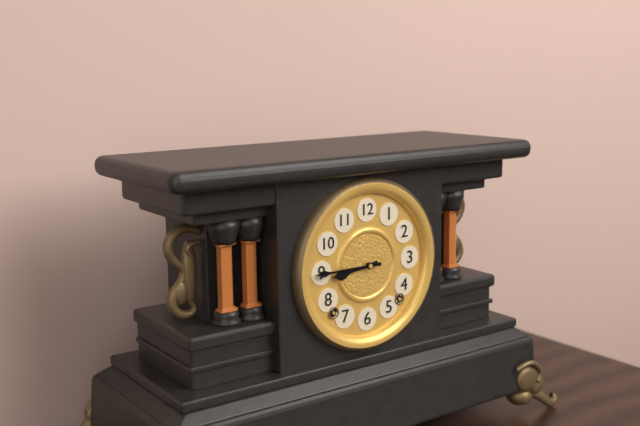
8:45
